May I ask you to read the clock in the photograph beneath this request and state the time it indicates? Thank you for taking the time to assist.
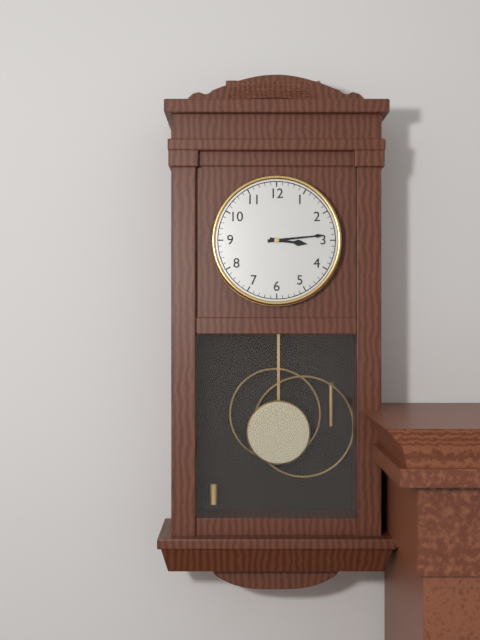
3:14
